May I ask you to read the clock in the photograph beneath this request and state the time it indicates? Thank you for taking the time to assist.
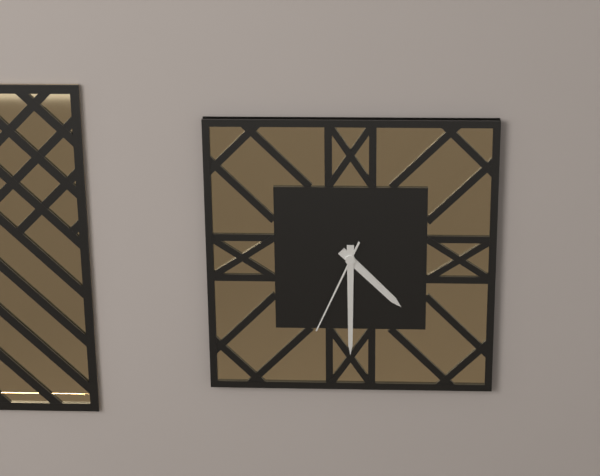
4:30:34
